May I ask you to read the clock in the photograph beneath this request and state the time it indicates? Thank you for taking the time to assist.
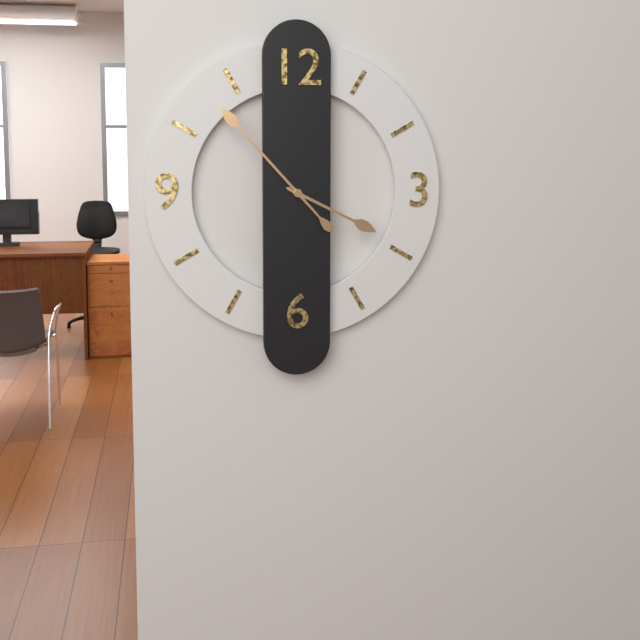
3:53
